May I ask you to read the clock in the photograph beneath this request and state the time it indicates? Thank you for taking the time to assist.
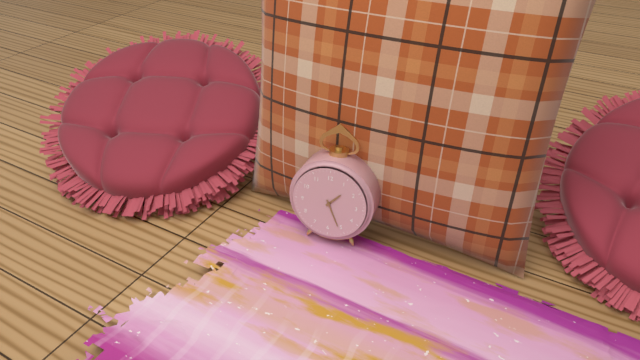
1:26
